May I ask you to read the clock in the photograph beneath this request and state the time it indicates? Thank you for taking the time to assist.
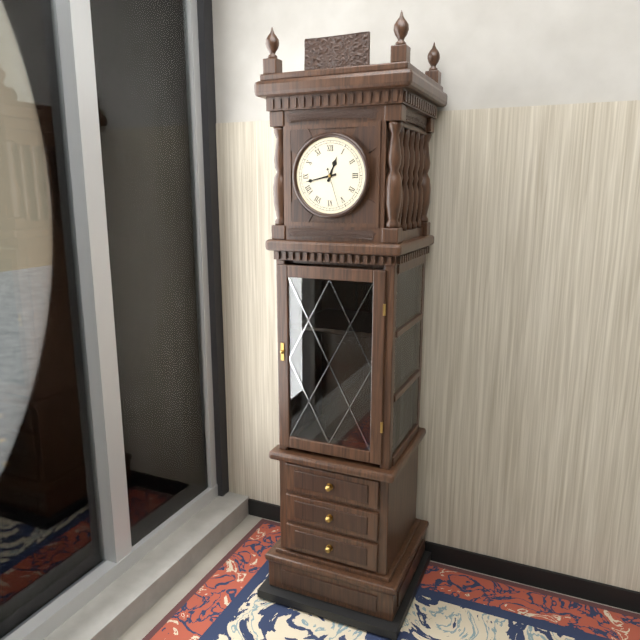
12:43
